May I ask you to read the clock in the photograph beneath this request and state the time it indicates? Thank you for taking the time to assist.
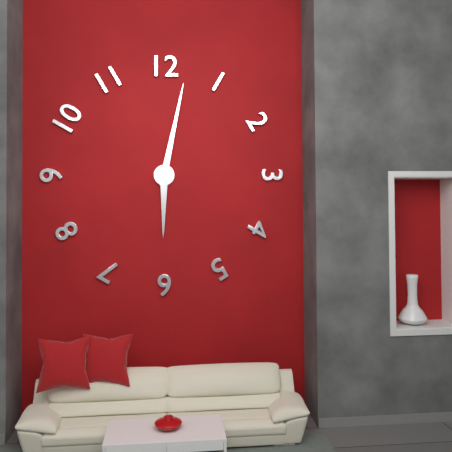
6:02
